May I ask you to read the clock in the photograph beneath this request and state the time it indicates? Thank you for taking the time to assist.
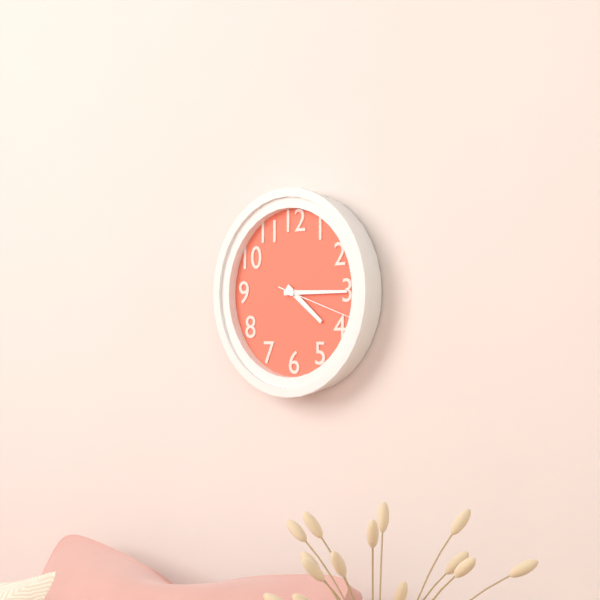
4:15:18
